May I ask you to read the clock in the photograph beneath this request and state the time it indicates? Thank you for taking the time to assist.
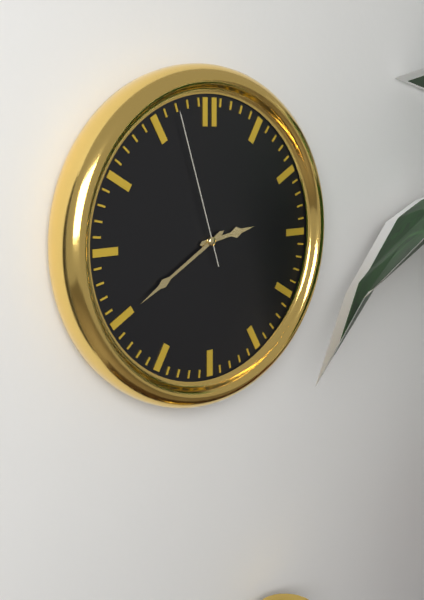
2:40:57
